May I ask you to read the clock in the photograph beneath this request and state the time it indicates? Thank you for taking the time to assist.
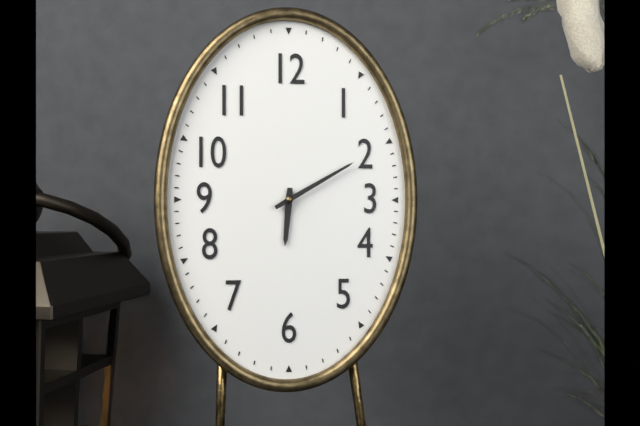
6:10
